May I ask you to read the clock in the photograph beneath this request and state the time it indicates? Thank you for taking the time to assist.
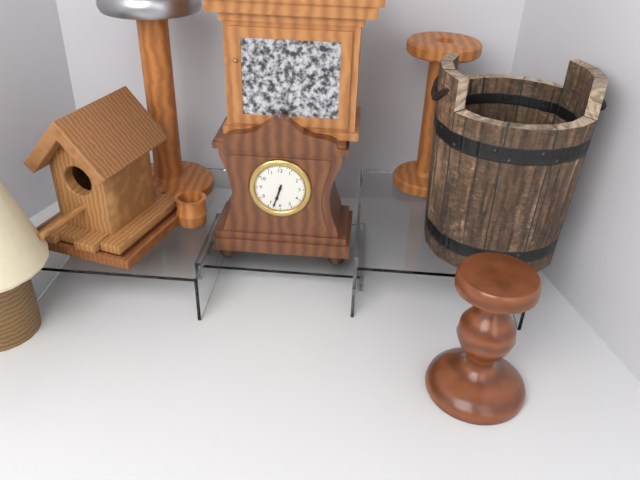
6:33
